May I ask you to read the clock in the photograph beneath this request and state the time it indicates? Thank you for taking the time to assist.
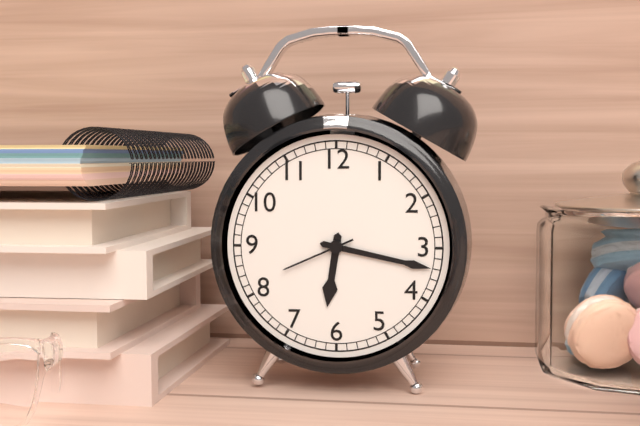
6:17:41
